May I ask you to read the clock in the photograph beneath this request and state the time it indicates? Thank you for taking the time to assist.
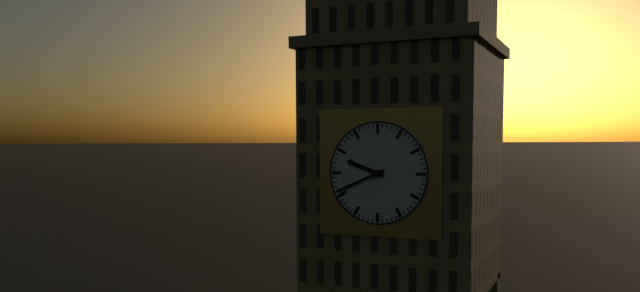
9:41
